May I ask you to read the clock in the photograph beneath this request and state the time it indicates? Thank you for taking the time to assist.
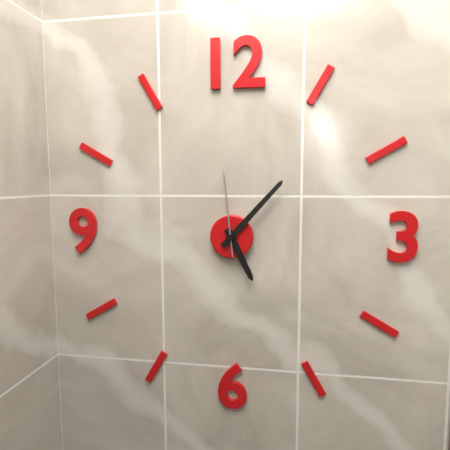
5:07:59
